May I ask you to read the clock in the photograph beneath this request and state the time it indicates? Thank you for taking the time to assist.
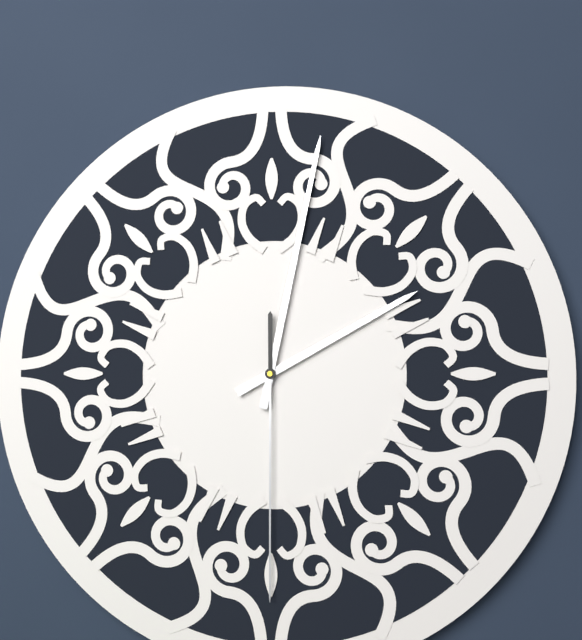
2:02:30
